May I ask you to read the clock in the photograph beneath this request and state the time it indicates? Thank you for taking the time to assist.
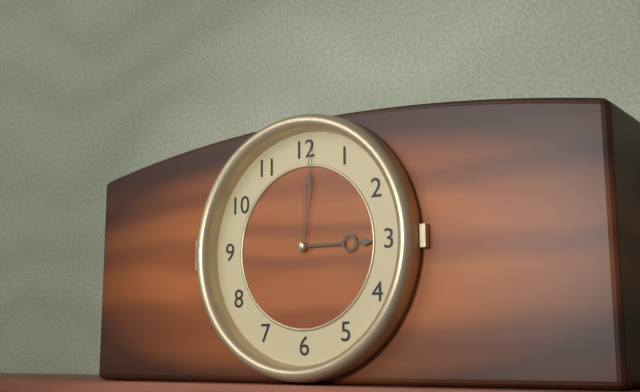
3:01
